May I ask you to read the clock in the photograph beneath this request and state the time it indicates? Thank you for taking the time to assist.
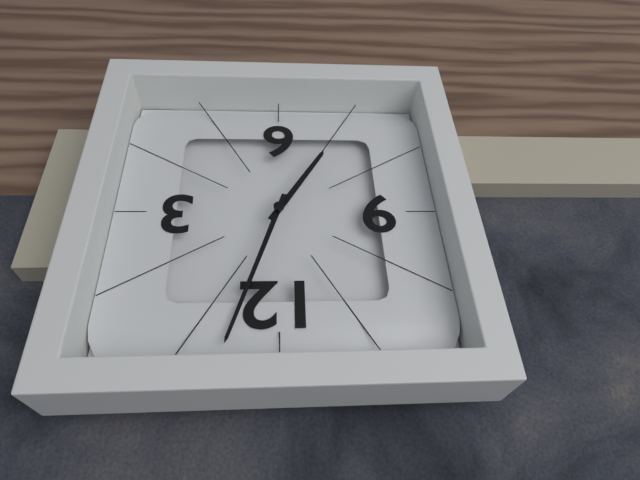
7:03
